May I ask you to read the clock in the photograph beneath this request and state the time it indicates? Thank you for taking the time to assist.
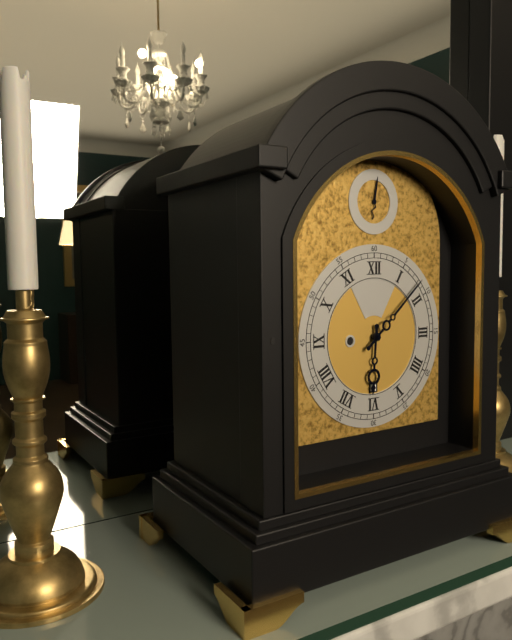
6:08
